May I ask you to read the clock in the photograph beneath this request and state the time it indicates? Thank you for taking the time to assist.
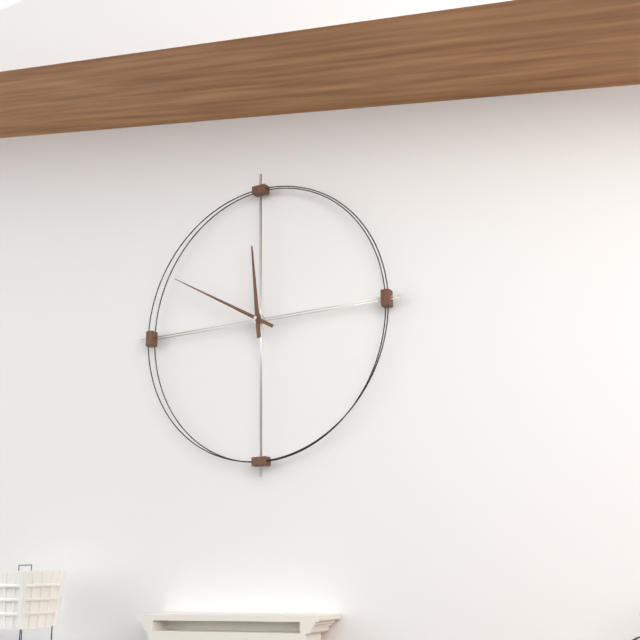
11:50
